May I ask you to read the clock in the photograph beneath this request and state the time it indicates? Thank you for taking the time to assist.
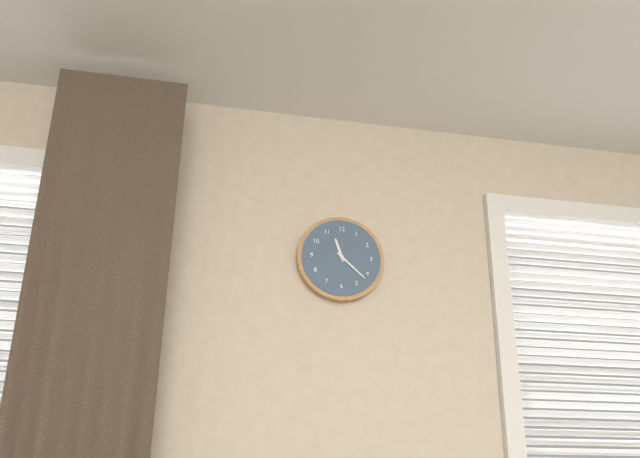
11:22
